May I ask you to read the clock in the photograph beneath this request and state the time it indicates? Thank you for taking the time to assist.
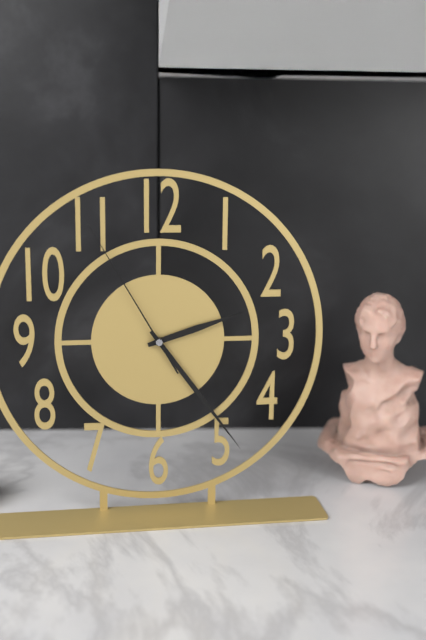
2:24:55
